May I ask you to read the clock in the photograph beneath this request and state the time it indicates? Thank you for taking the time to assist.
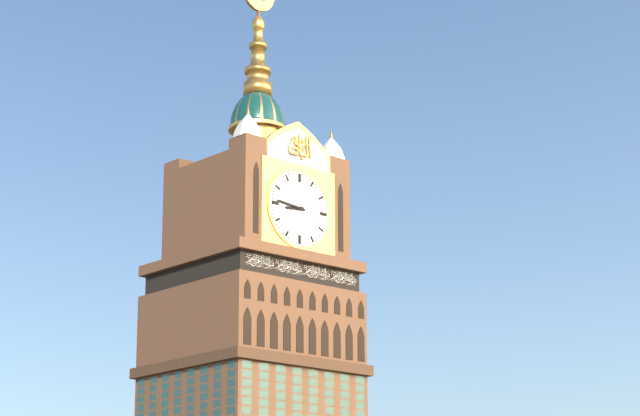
8:46
